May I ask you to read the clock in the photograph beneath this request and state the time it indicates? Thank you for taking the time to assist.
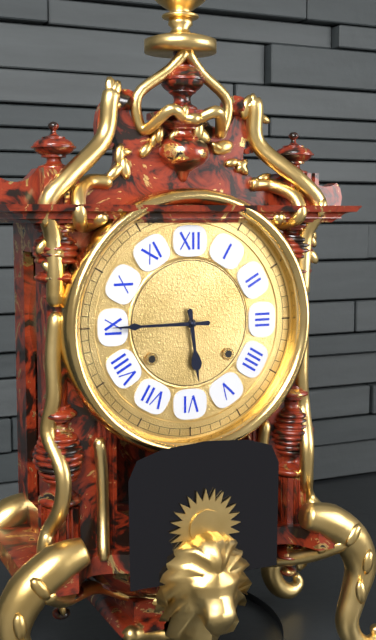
5:45
